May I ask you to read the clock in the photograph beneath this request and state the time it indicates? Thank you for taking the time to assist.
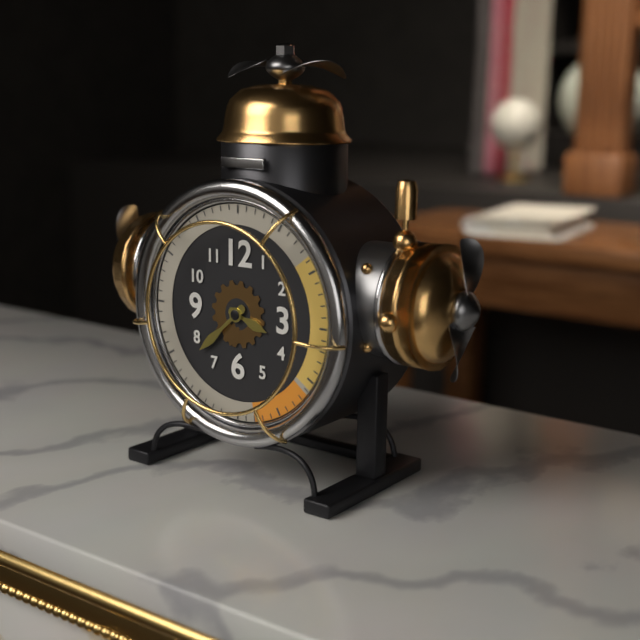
3:38
